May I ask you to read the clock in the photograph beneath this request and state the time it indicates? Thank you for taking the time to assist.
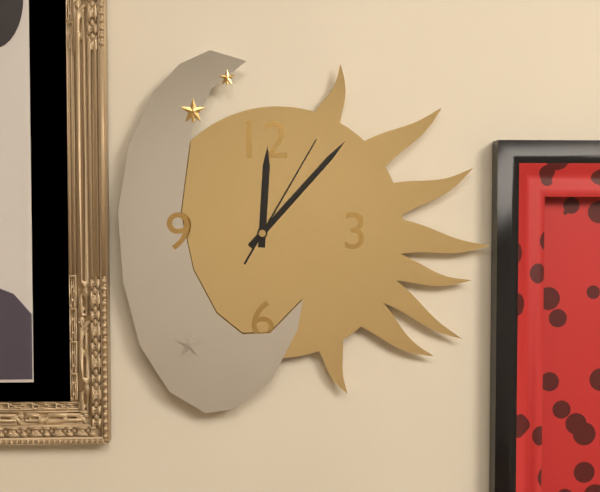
12:07:05
